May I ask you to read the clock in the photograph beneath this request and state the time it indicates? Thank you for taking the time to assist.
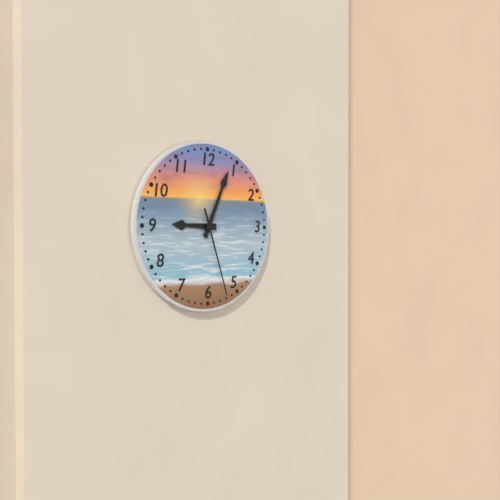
9:04:27
